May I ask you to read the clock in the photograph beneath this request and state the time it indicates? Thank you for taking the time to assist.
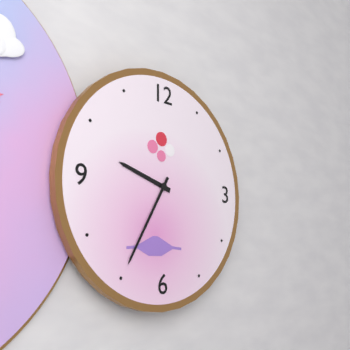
9:35
